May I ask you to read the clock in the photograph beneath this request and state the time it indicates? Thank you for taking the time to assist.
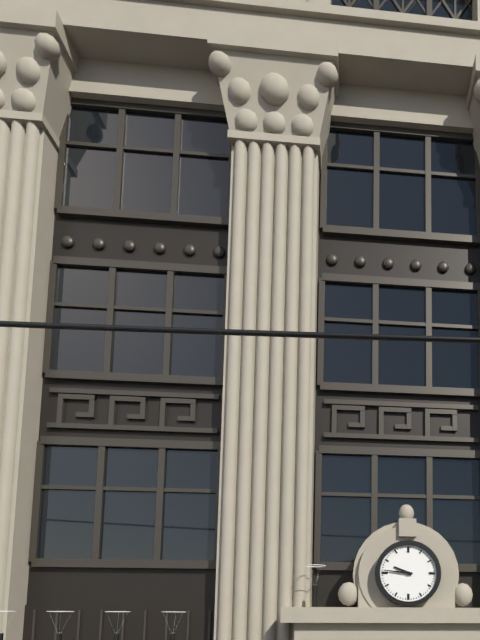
9:46
